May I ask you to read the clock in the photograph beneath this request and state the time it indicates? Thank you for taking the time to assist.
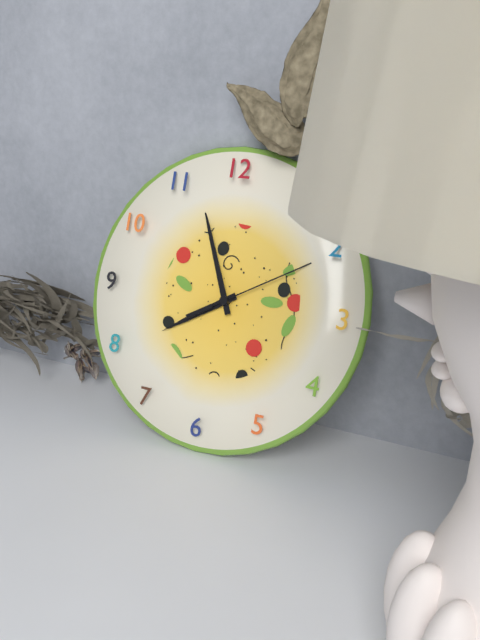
7:56:10
